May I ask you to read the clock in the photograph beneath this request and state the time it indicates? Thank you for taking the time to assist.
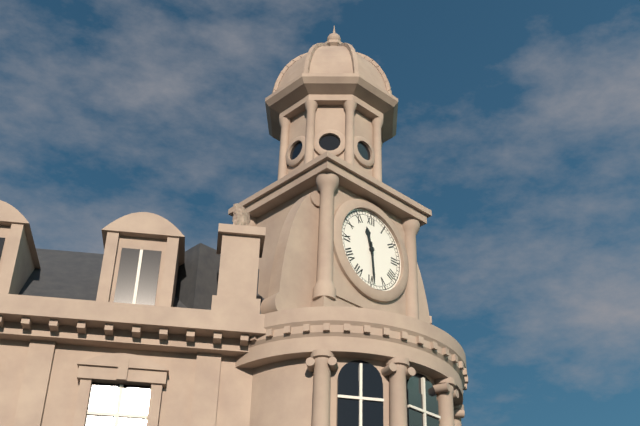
11:29
